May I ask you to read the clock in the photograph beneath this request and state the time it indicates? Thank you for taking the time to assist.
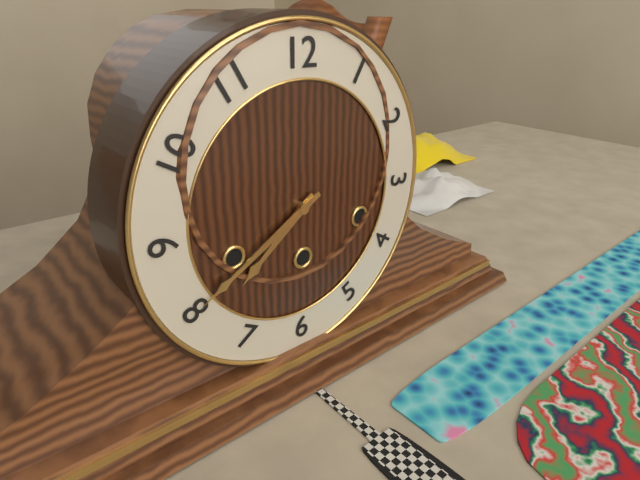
7:40
